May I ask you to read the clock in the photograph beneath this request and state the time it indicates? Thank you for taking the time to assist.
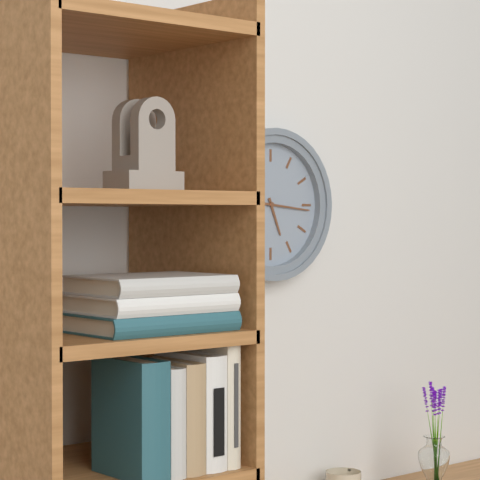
5:16
